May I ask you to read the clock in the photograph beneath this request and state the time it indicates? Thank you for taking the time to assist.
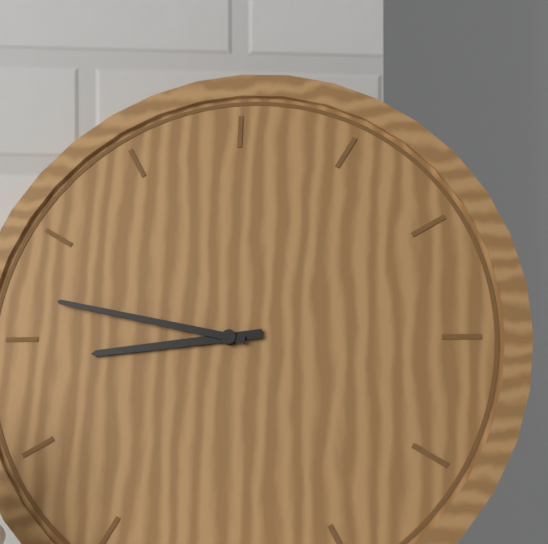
8:47
